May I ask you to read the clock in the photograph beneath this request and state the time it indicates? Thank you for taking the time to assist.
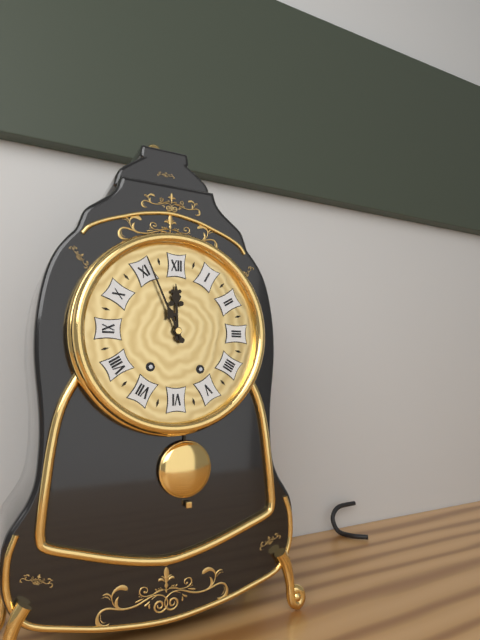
11:56
